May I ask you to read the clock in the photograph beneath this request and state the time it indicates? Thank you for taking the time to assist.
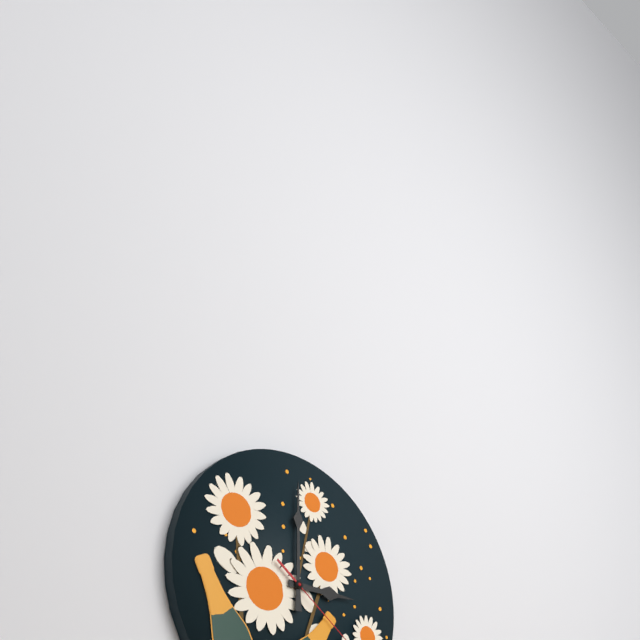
3:00
